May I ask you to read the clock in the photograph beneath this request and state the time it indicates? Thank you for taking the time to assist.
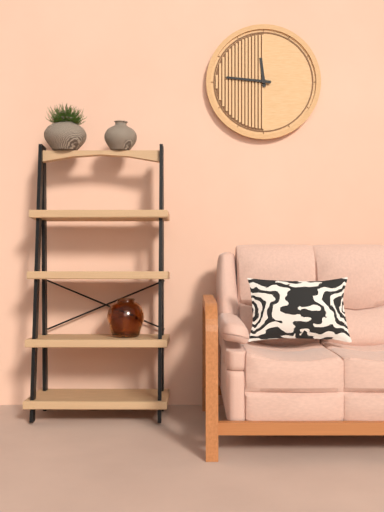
11:46
